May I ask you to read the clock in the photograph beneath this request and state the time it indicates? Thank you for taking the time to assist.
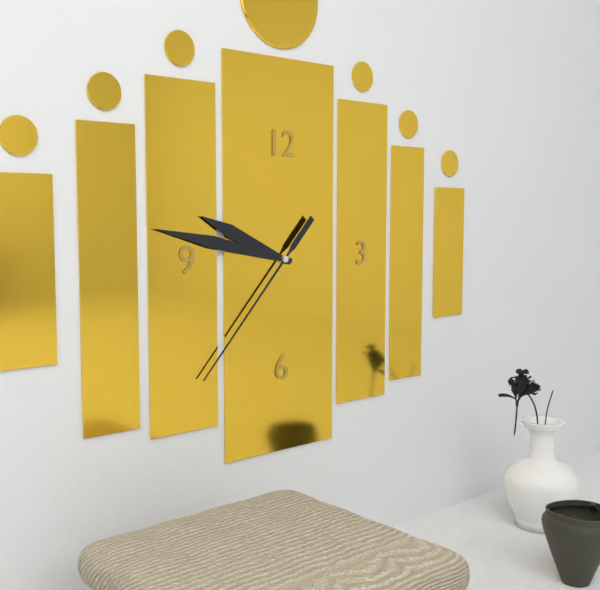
9:47:37
